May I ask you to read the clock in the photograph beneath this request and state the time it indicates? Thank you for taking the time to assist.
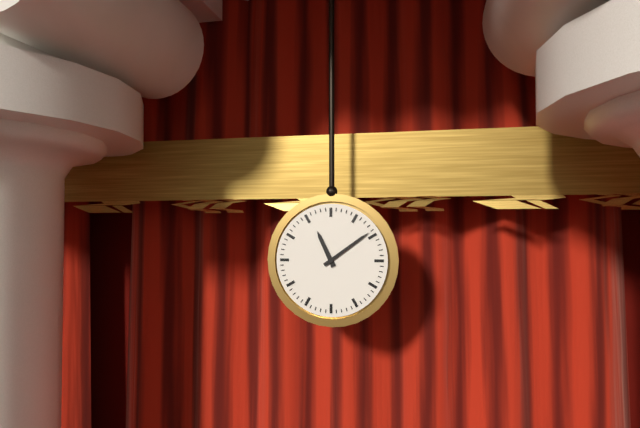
11:09
